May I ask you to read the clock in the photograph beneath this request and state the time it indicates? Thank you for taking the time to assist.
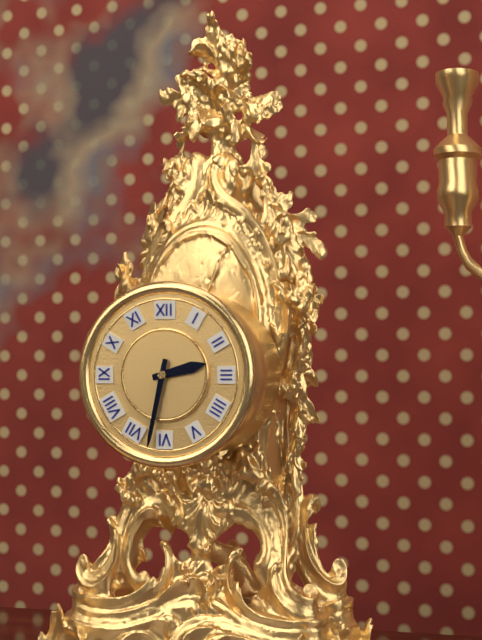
2:32
